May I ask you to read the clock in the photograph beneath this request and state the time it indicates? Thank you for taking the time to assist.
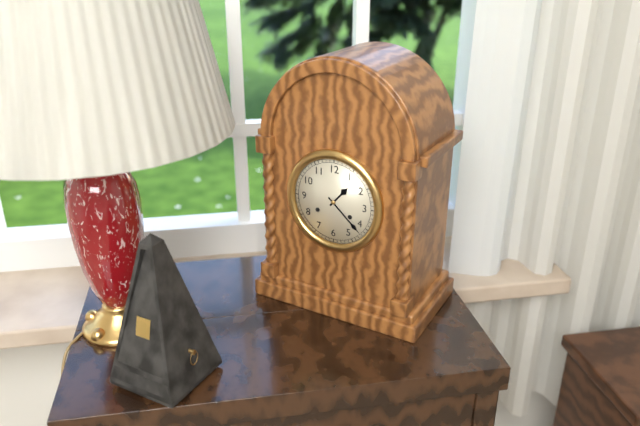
1:22
